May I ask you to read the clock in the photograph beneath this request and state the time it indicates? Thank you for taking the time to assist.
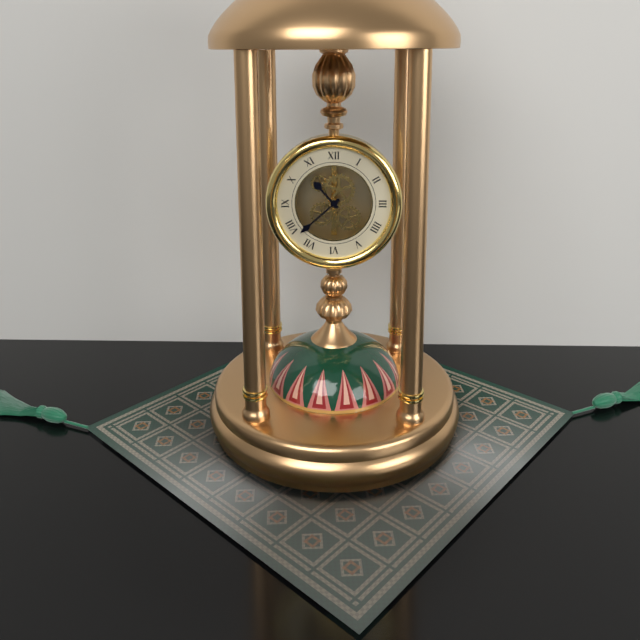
10:38
